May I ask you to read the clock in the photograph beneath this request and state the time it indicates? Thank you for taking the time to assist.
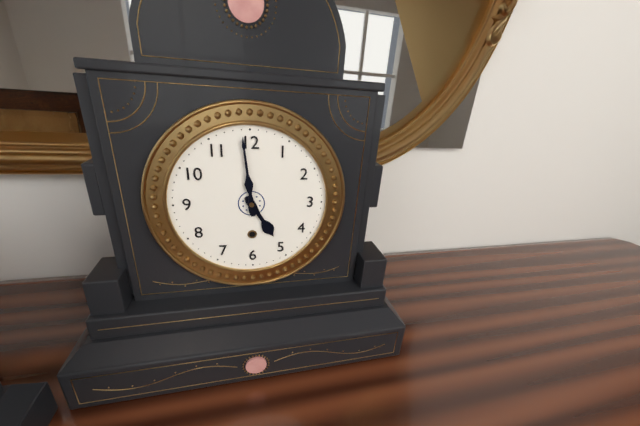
4:59
